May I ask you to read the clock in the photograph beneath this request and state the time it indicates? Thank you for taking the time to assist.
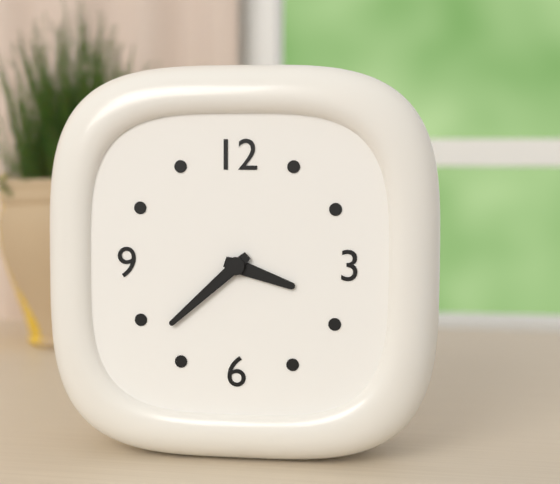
3:38
